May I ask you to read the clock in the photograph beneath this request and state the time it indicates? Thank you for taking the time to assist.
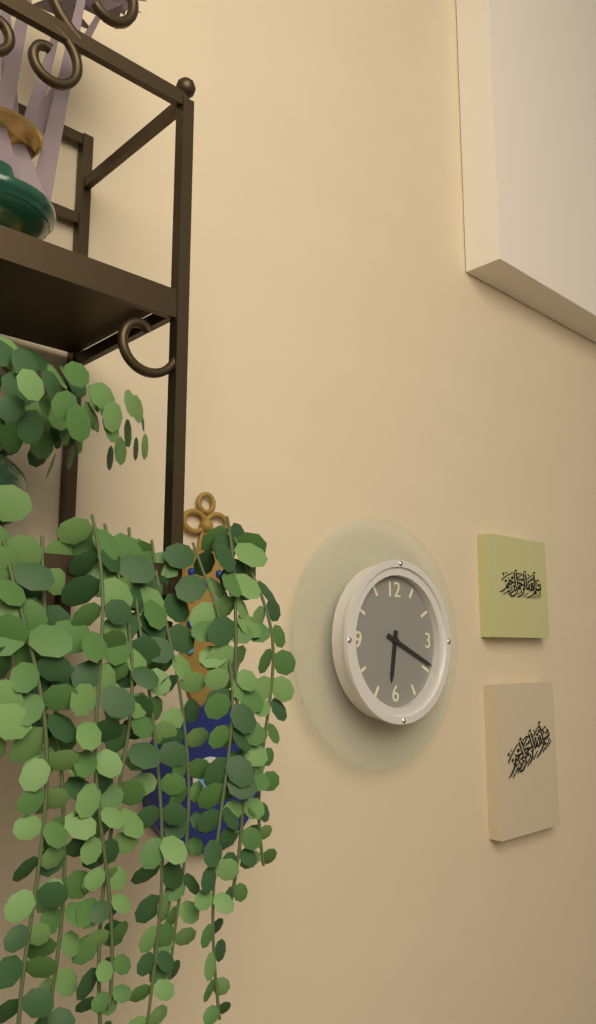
6:19
